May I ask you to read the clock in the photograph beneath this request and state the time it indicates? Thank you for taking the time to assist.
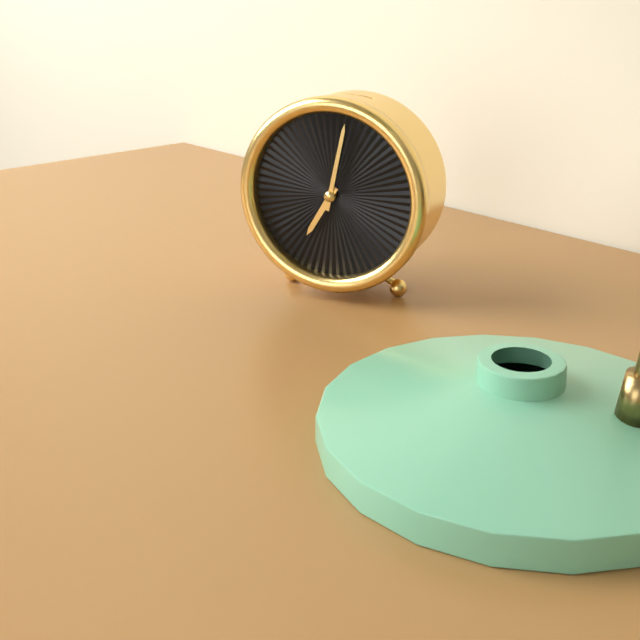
7:02
